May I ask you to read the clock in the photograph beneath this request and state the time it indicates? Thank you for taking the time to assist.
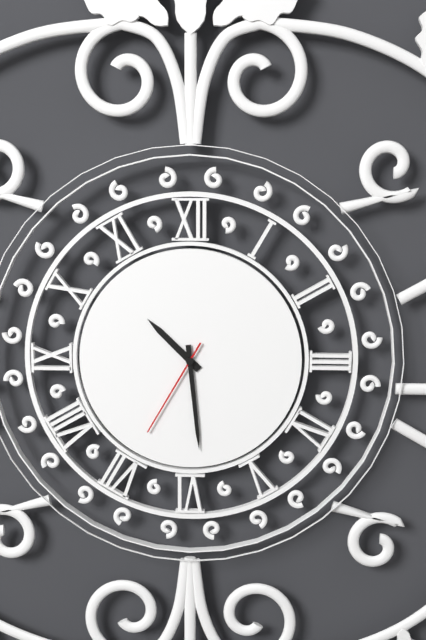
10:29:35
